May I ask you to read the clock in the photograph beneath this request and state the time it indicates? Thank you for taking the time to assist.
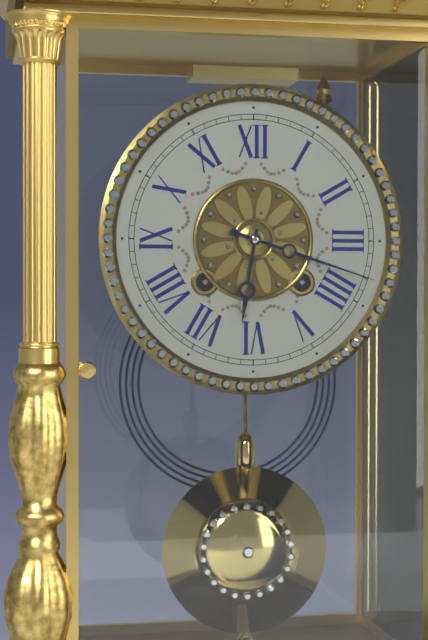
6:18
